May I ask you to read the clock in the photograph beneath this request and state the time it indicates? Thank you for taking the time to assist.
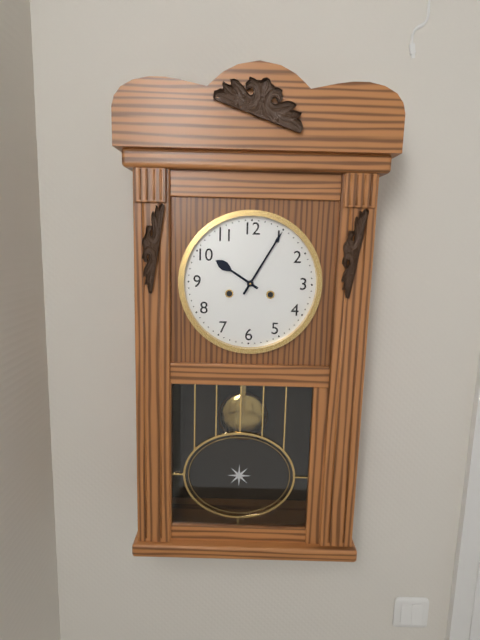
10:05
